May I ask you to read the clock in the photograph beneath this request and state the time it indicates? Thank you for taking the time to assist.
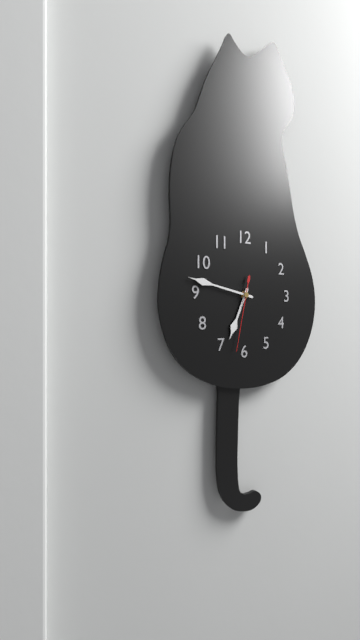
6:47:32
